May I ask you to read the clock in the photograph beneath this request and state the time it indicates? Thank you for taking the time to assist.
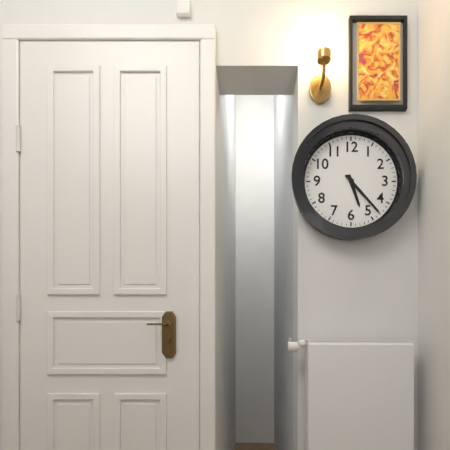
5:23
